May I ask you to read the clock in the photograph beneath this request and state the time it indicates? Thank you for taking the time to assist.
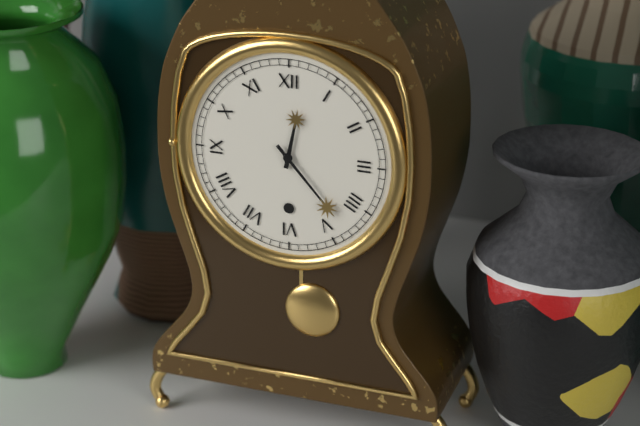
12:23
